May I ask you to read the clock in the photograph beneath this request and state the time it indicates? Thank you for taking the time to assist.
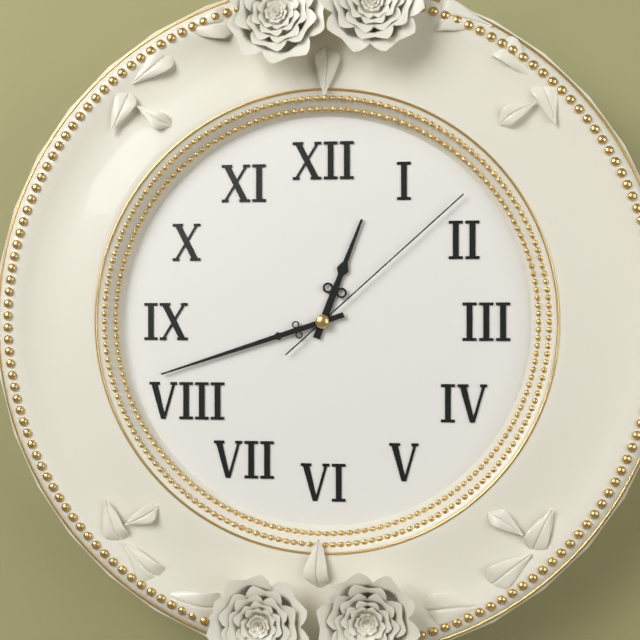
12:42:08
